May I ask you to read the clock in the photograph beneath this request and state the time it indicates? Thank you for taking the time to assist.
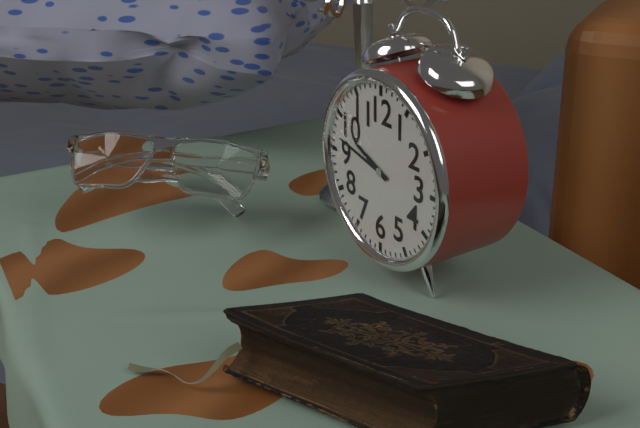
9:47
